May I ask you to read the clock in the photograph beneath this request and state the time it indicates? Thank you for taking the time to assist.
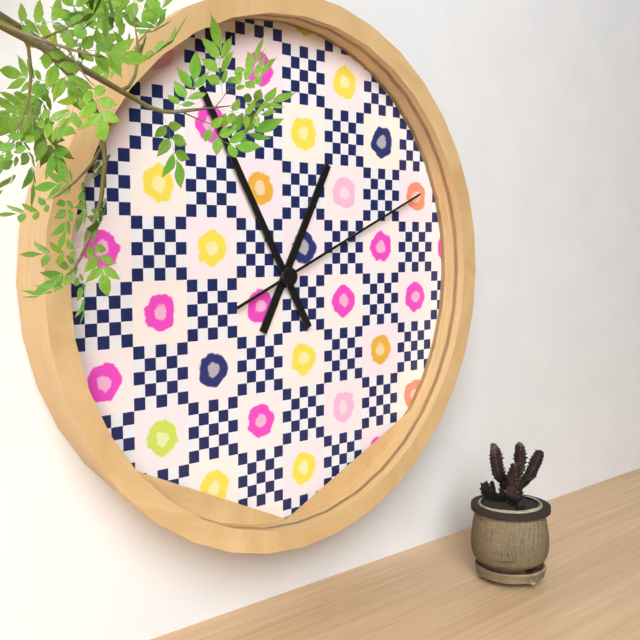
12:55:11
